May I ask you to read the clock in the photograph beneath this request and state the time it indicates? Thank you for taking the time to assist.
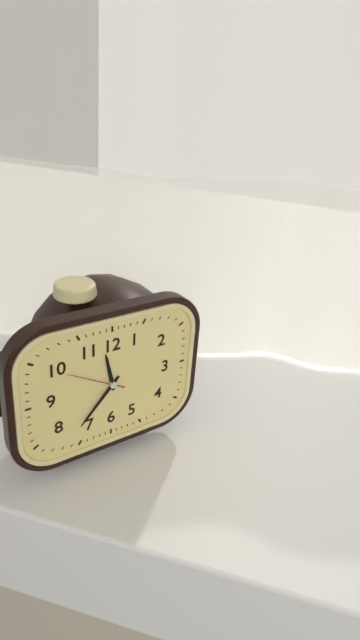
11:37:50
